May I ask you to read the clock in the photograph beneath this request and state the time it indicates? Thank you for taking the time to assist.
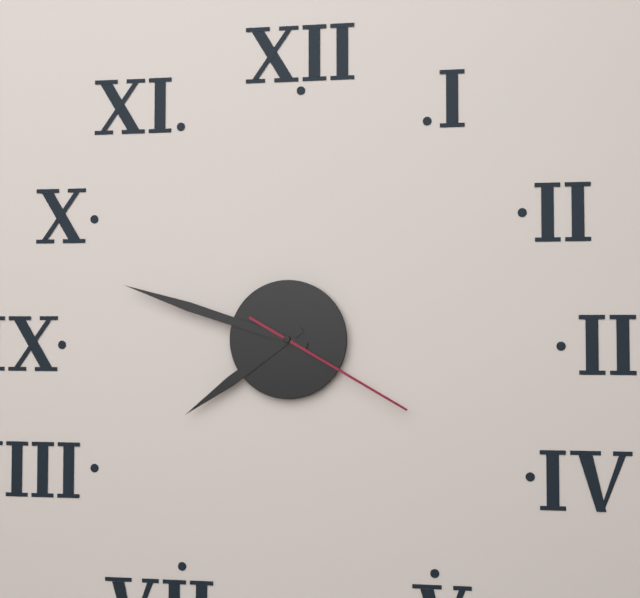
7:48:20
